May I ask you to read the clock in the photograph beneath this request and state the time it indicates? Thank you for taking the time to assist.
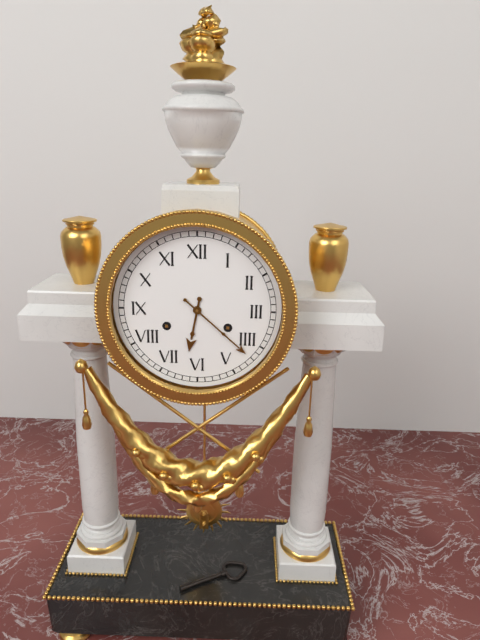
6:22
